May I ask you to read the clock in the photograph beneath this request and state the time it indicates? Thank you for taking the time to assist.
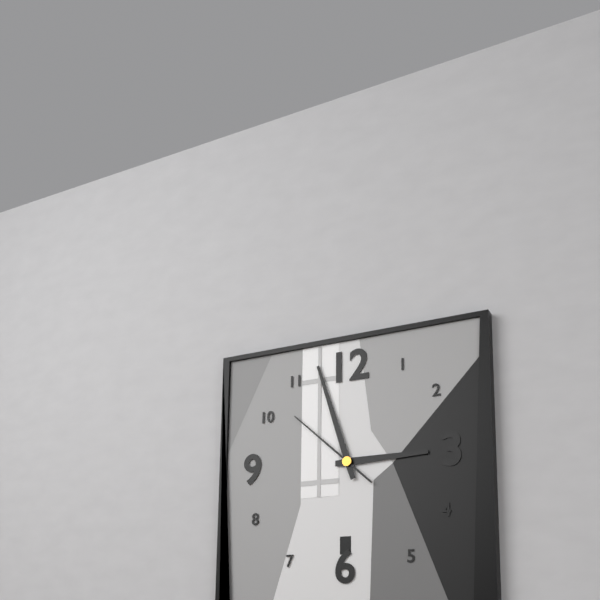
2:57:52
